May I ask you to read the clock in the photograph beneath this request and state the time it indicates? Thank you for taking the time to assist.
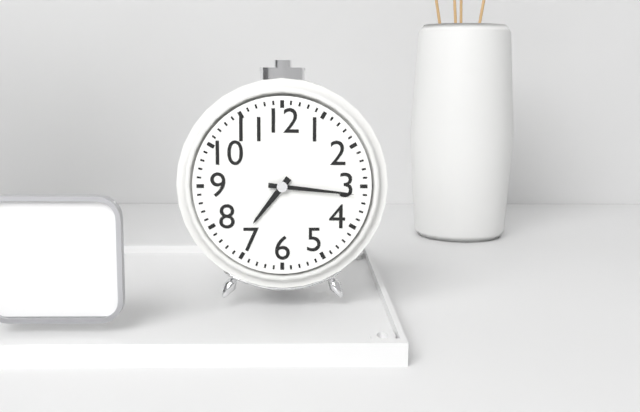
7:16
